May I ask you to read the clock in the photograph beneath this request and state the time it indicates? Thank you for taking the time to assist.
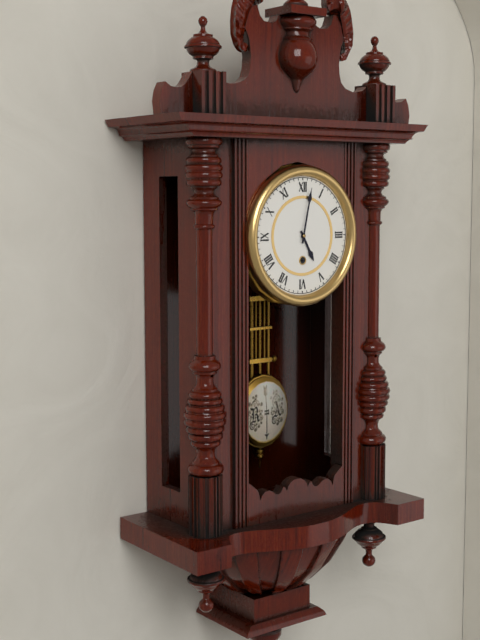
5:02
